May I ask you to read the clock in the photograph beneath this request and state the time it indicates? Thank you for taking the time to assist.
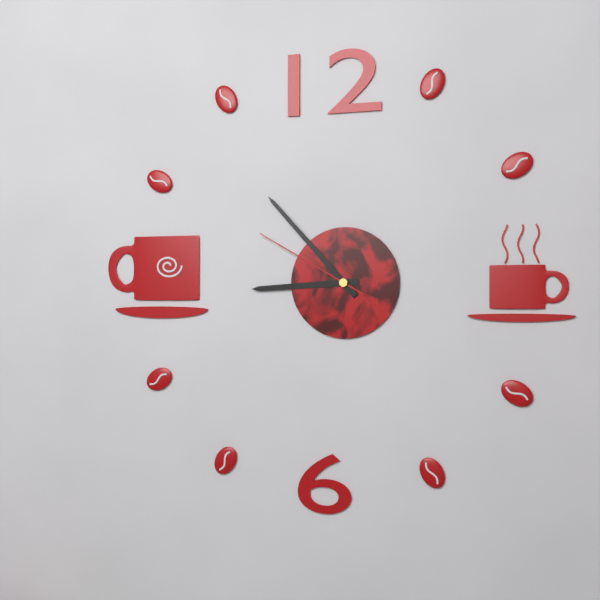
8:53:50
